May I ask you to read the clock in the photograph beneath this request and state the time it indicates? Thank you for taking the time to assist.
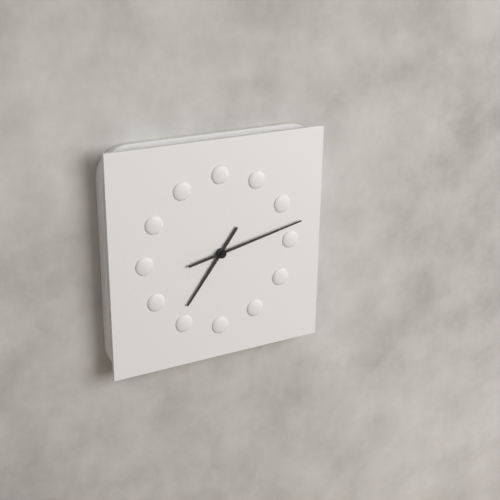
7:13
